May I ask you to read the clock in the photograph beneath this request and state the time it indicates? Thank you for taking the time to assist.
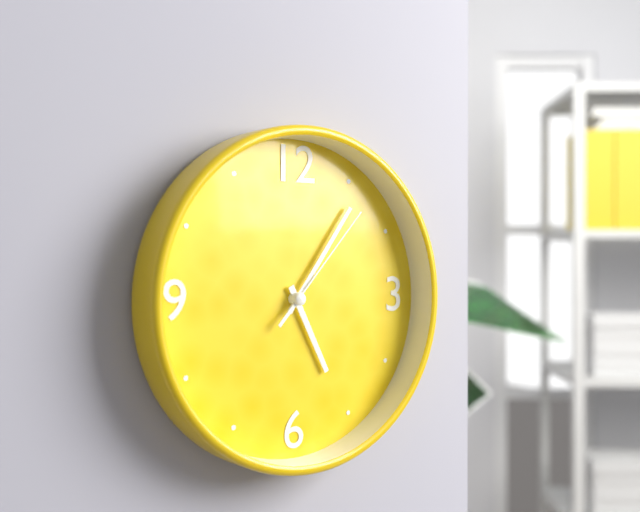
5:06:07
